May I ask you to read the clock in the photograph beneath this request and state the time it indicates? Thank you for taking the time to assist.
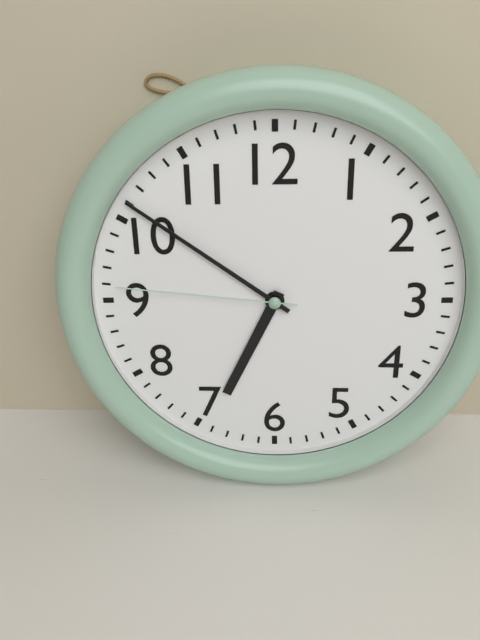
6:51:46
